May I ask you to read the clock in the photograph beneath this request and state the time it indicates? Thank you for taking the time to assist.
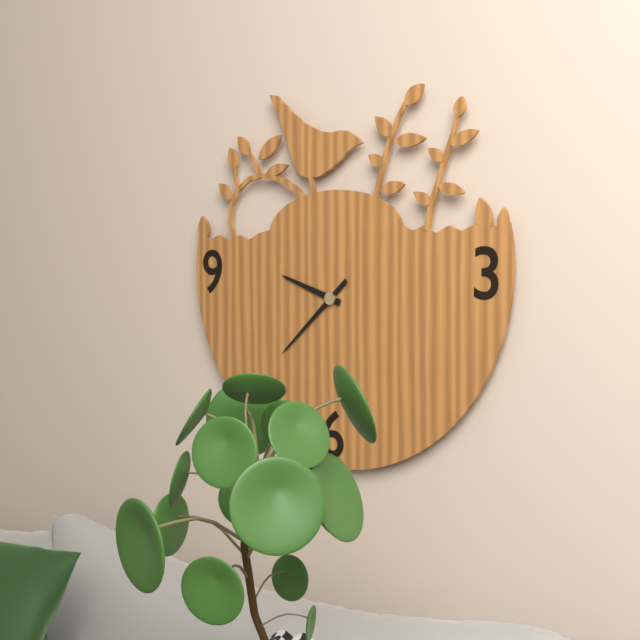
9:38
